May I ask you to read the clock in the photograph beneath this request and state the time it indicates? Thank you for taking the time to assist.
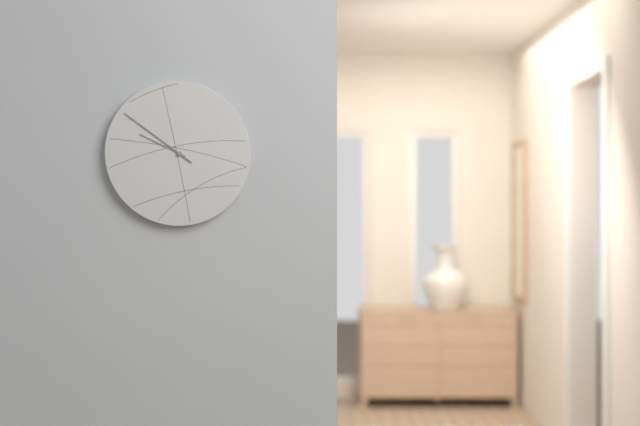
9:51
